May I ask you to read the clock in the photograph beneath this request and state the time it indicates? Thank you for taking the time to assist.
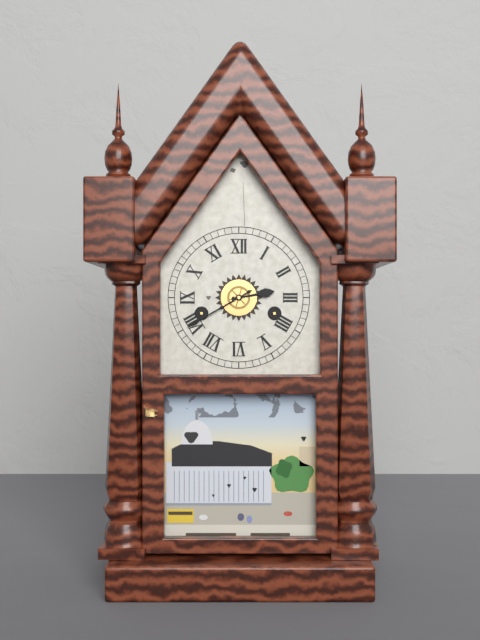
2:40
